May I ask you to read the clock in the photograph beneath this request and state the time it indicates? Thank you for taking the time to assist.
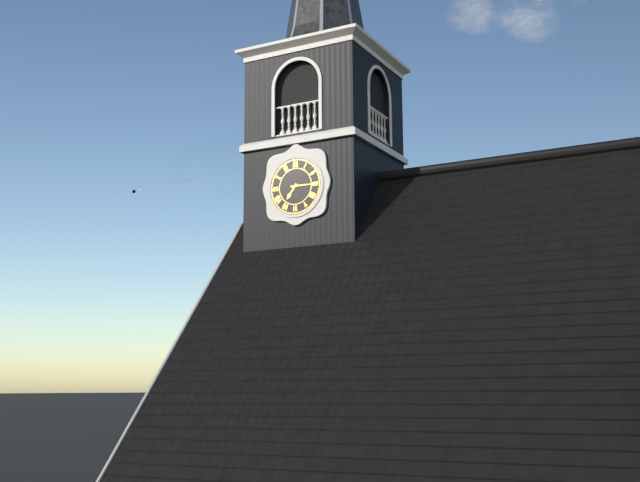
7:15
